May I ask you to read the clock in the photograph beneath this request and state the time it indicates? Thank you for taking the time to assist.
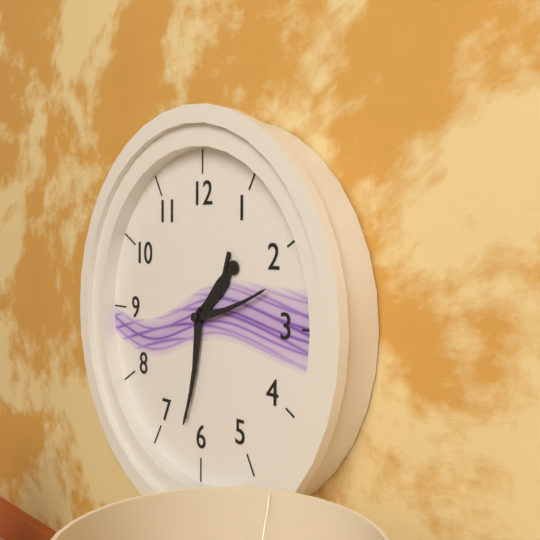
1:32:12
